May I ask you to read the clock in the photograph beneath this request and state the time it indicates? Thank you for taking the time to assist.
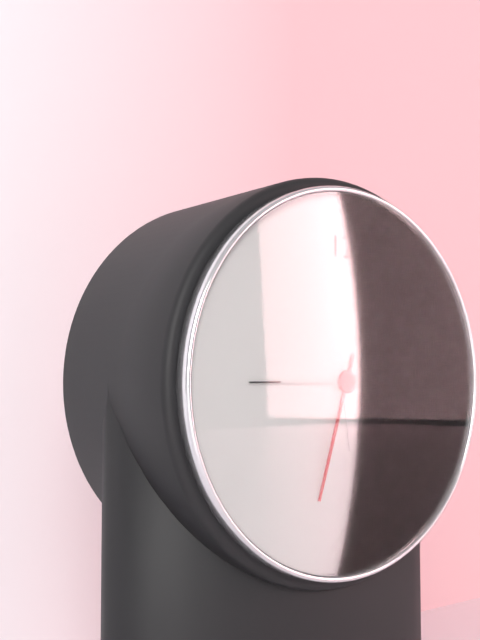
5:45:33
